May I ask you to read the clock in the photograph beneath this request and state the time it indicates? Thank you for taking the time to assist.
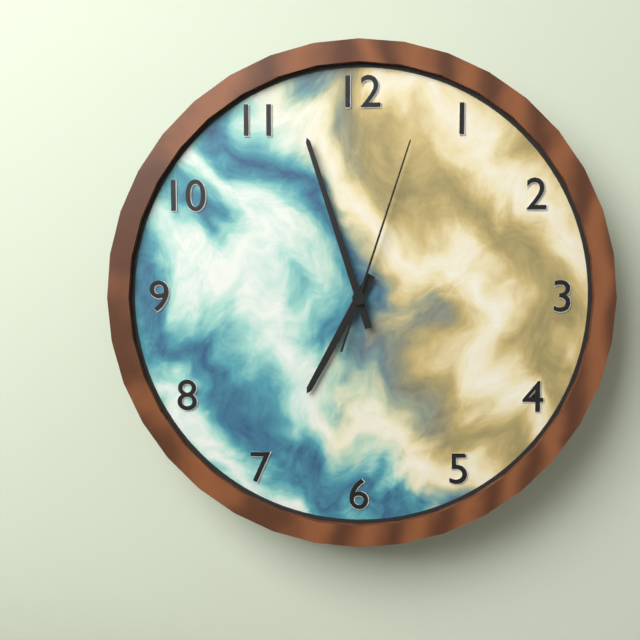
6:57:03
